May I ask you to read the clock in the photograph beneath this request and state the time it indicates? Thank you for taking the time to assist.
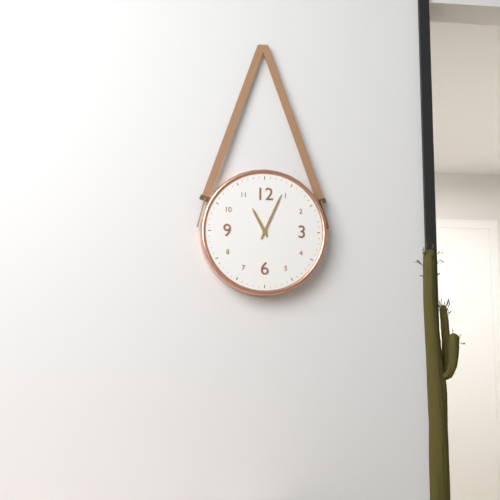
11:04
